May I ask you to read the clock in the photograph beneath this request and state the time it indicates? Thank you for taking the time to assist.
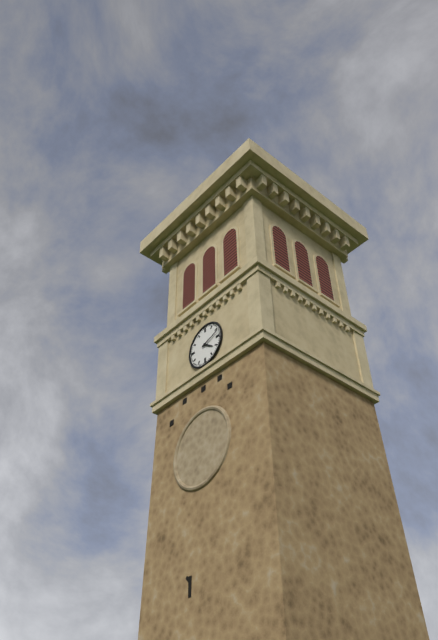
4:12
